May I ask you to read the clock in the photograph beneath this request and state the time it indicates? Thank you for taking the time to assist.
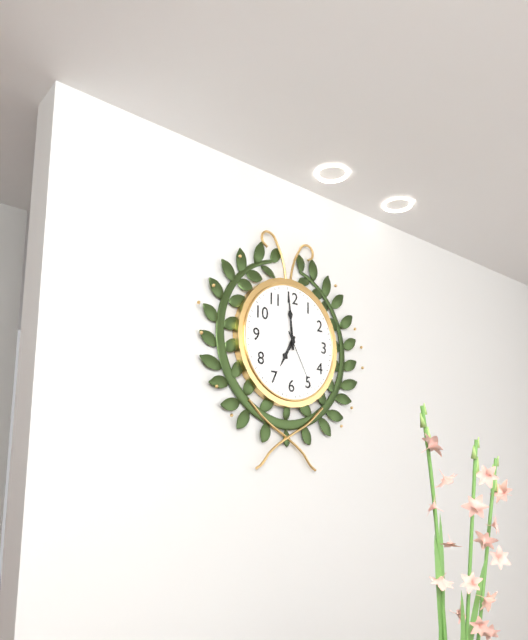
6:59:25
